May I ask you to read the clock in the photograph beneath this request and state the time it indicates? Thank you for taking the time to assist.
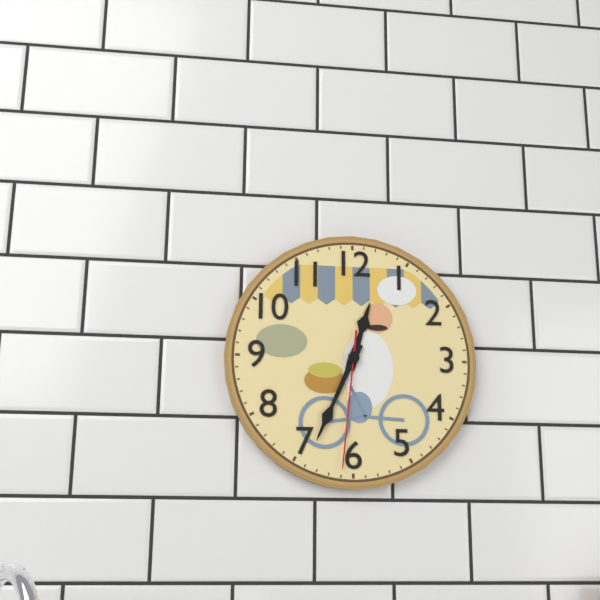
12:34:31
